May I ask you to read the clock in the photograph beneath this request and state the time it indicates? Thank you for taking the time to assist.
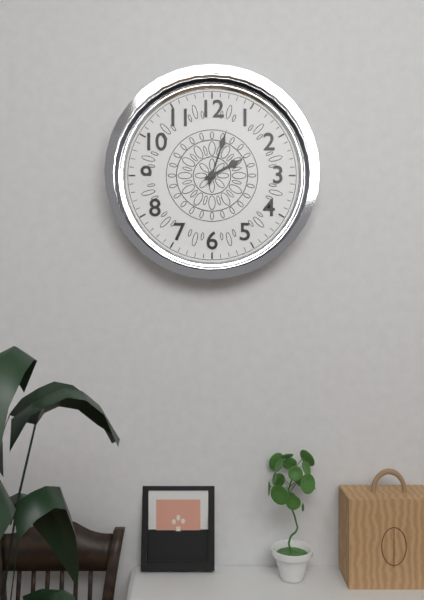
2:03
